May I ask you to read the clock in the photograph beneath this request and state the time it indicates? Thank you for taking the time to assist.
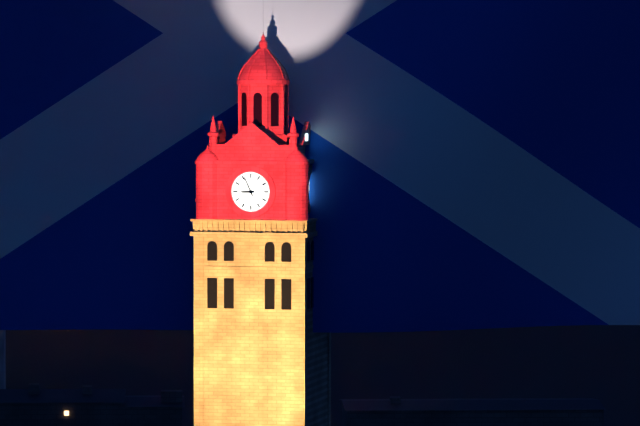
8:56
